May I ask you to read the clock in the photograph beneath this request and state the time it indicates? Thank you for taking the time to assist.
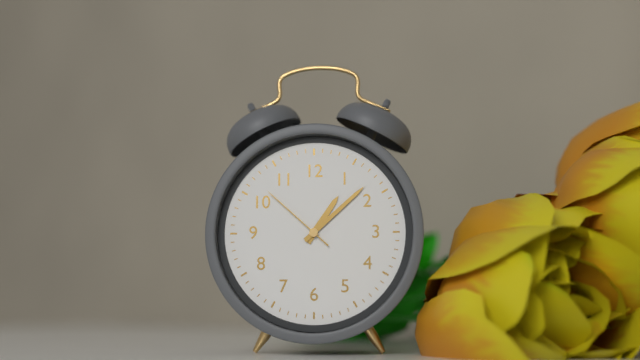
1:08:52
